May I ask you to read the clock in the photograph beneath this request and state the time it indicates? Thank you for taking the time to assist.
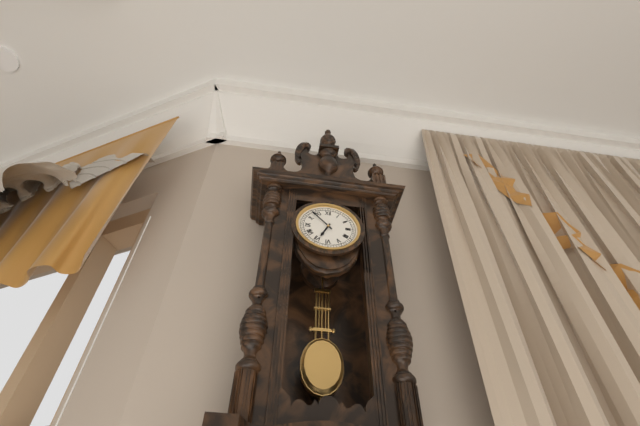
6:53
